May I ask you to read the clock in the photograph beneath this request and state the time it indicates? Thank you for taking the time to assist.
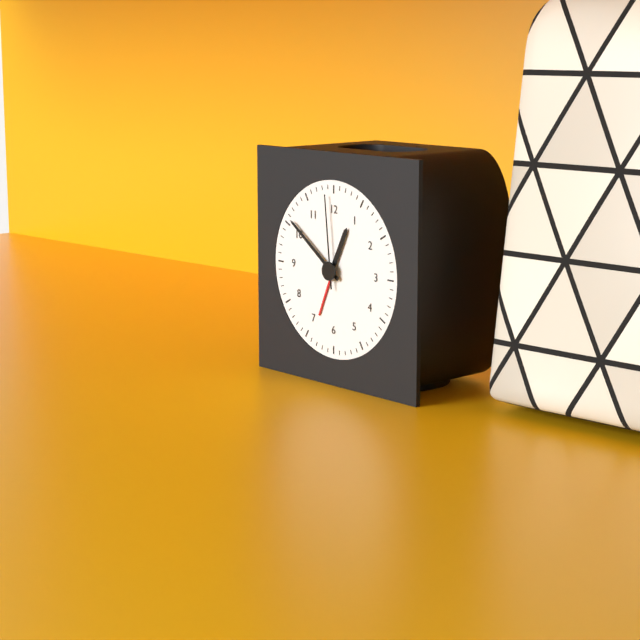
12:51:59
